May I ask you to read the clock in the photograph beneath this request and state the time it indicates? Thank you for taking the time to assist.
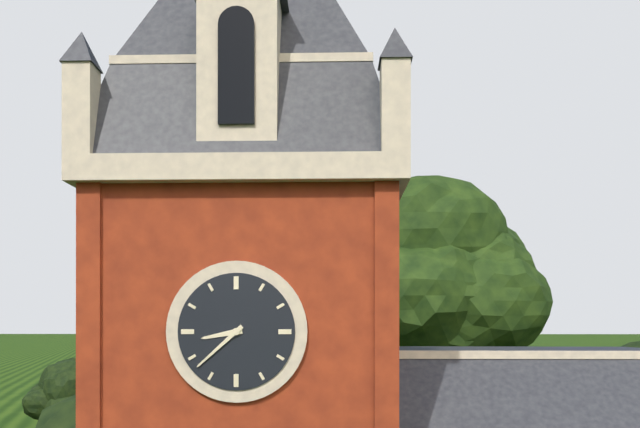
8:38
